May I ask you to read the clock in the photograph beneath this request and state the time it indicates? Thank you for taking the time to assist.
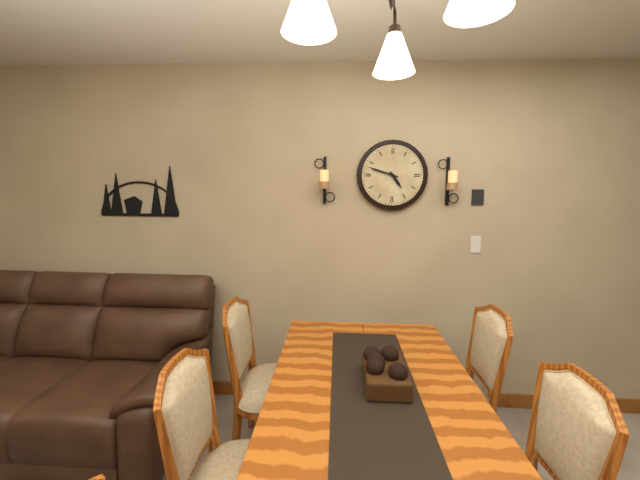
4:48
